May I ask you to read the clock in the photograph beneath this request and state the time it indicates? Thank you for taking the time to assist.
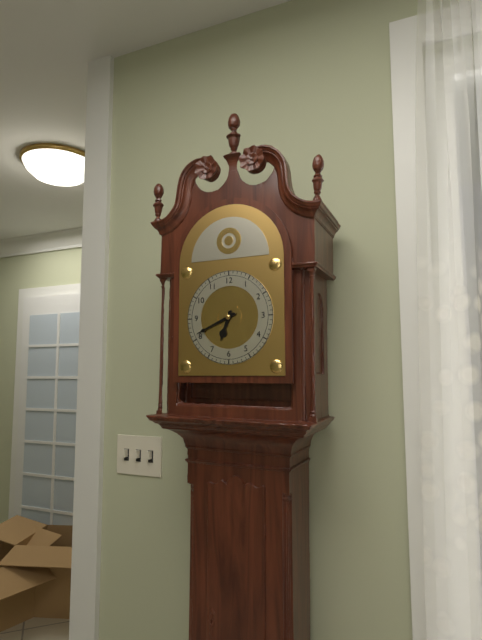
6:41
